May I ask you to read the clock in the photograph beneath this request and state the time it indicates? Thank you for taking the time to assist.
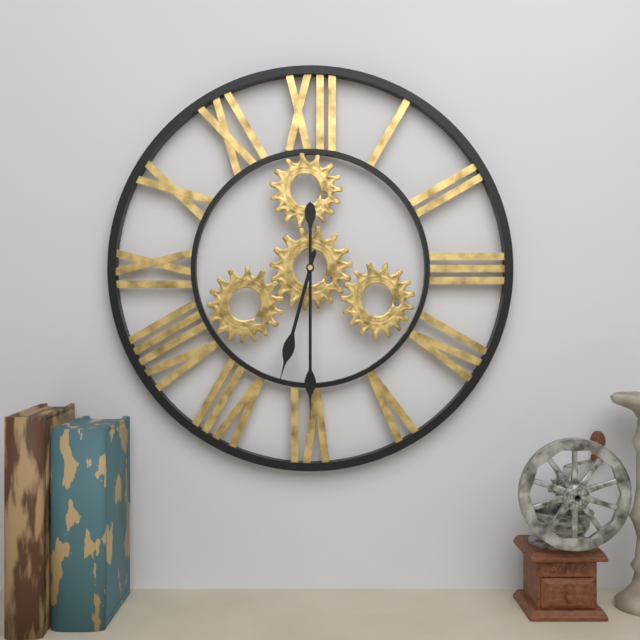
6:30
